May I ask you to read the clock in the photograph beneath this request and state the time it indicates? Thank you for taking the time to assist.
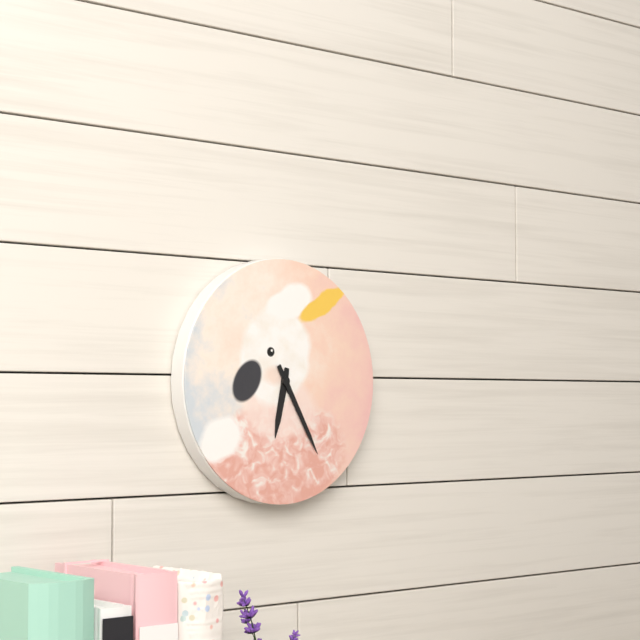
6:25
